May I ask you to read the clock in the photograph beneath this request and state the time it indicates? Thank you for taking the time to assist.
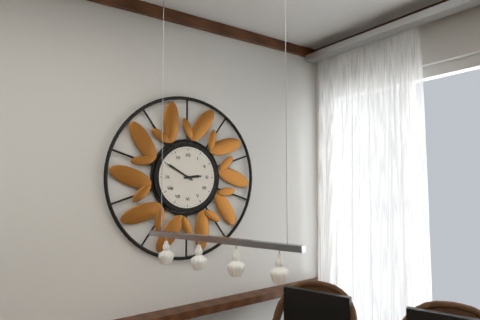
2:50
